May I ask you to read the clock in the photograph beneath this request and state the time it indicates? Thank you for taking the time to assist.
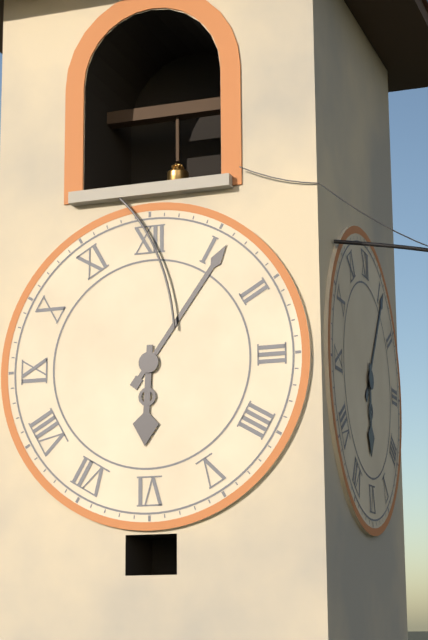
6:06
